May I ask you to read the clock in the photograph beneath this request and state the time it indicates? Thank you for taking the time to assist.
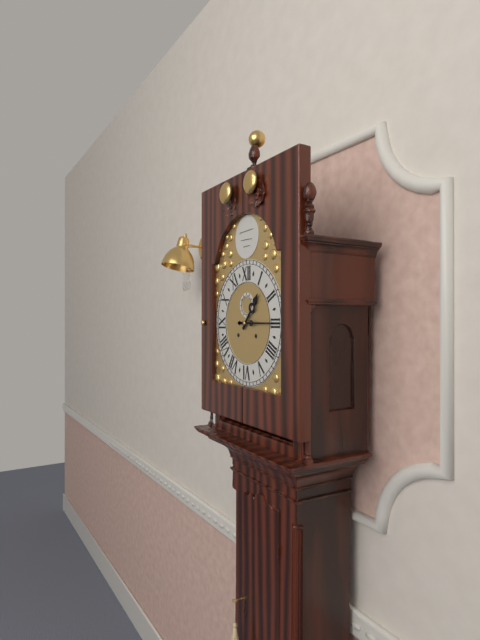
1:15
